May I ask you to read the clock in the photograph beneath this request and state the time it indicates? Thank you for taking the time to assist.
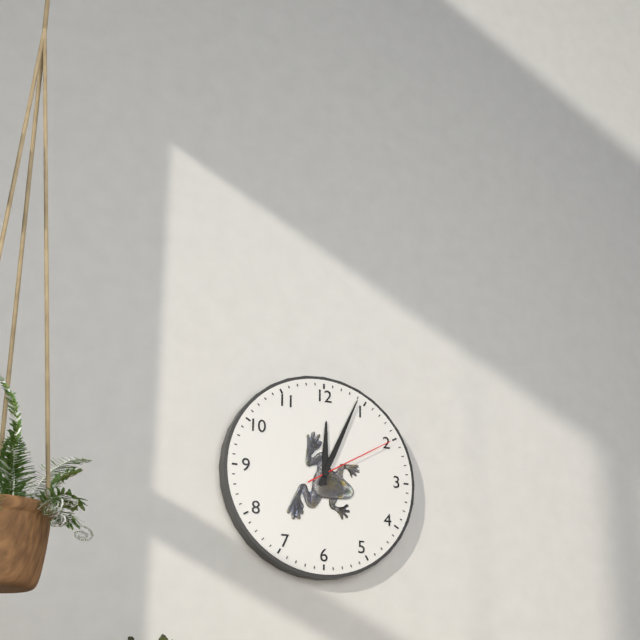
12:04:10
